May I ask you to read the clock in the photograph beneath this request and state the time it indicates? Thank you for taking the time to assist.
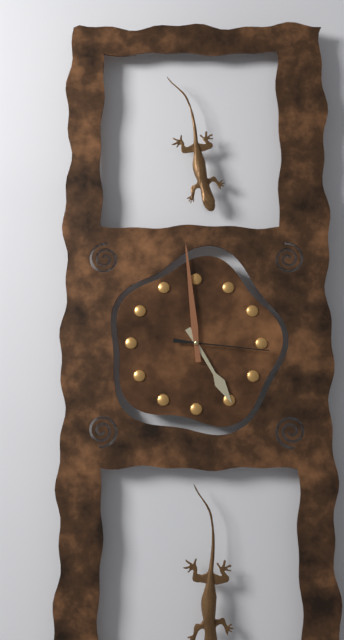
4:59:16
